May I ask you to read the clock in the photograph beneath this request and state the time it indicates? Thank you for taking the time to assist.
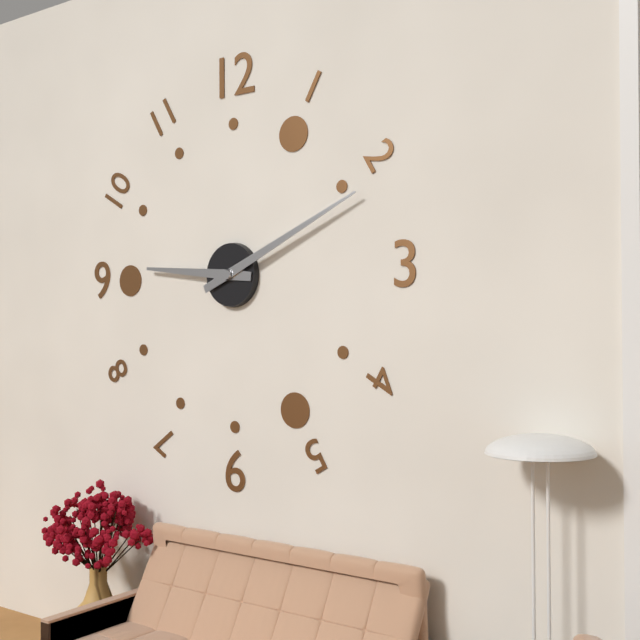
9:11
